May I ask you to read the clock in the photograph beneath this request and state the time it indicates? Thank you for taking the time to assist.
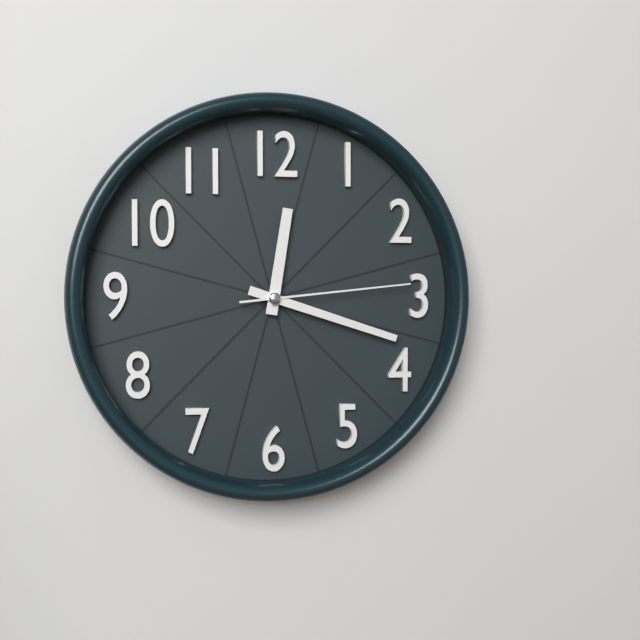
12:18:14
